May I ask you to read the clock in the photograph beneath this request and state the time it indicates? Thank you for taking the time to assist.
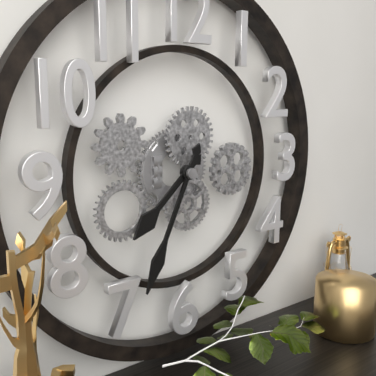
7:34
